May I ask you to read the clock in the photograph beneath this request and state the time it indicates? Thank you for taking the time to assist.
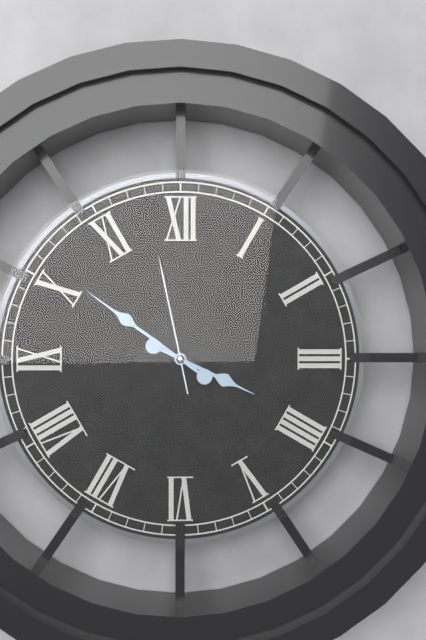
3:51:58
